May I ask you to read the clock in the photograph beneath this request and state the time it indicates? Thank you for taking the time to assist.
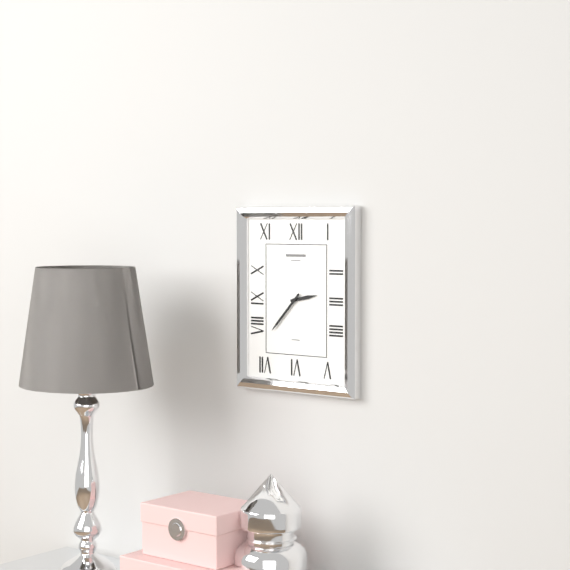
2:37
